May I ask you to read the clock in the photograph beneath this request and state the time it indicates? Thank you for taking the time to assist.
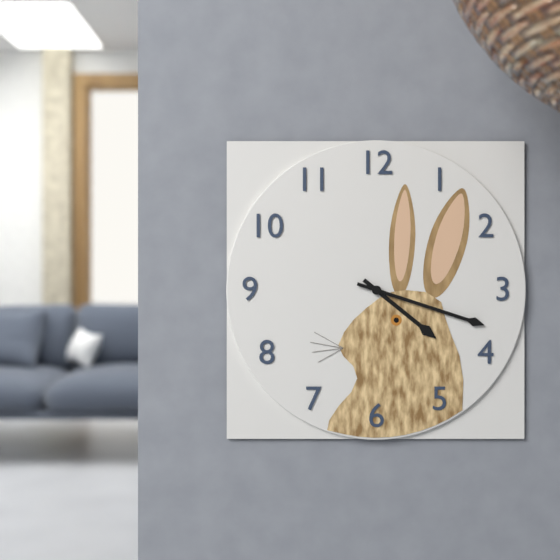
4:18
